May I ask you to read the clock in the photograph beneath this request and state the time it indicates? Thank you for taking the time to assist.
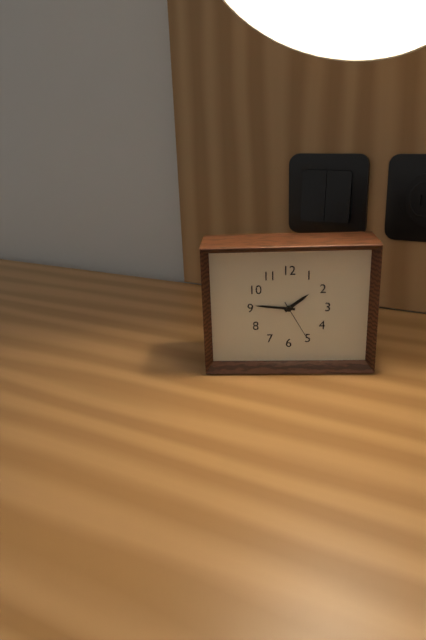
1:46:25
